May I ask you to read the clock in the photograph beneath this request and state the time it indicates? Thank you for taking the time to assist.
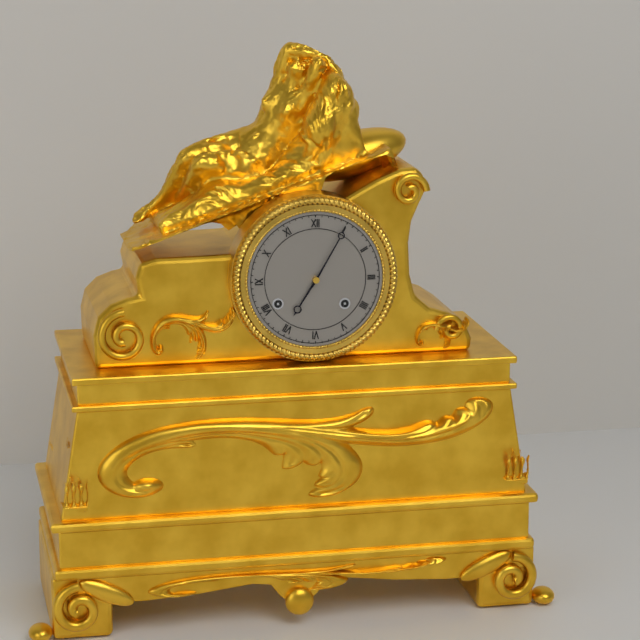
7:05
